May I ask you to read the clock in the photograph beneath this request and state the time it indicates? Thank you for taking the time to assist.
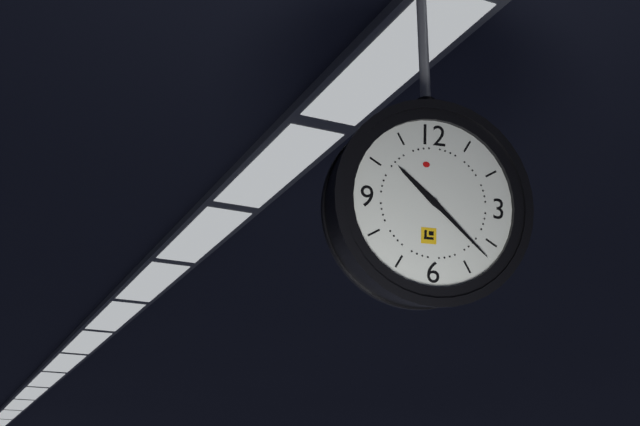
10:22
